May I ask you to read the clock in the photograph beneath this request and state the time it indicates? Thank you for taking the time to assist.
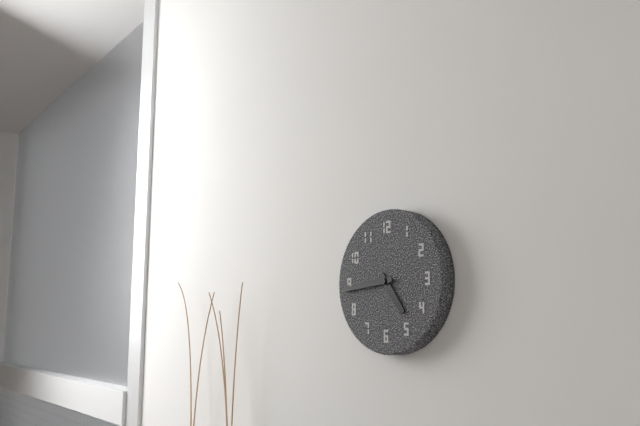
4:44
